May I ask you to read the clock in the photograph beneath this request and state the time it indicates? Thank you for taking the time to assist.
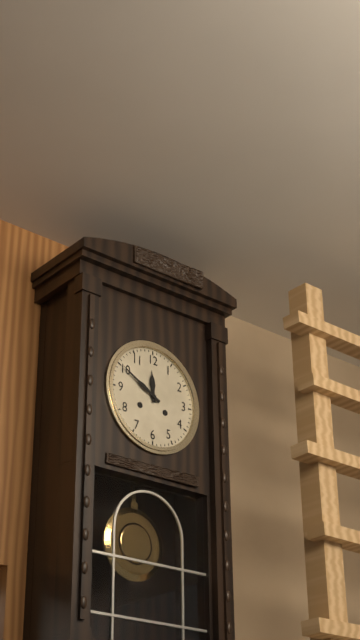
11:50
